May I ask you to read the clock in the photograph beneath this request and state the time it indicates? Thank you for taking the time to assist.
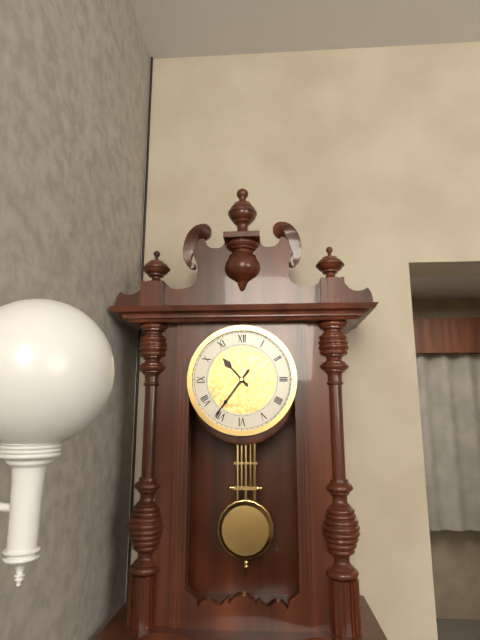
10:36
